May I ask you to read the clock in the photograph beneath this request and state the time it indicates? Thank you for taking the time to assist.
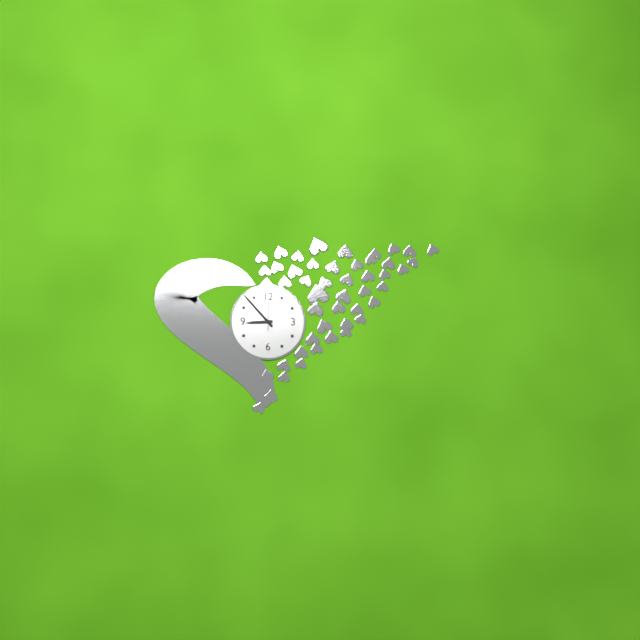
8:53:00
